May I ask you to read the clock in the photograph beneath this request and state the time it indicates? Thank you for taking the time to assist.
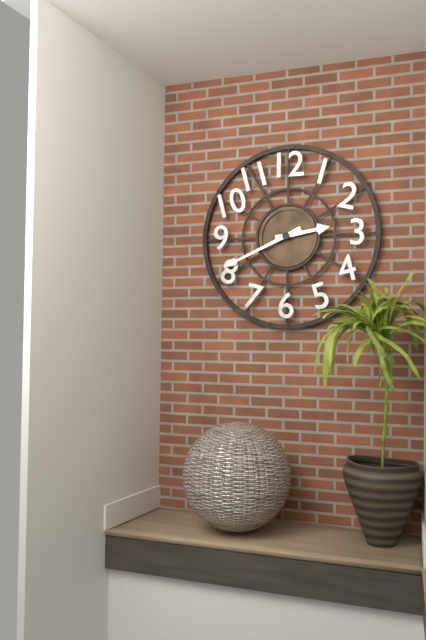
2:41
